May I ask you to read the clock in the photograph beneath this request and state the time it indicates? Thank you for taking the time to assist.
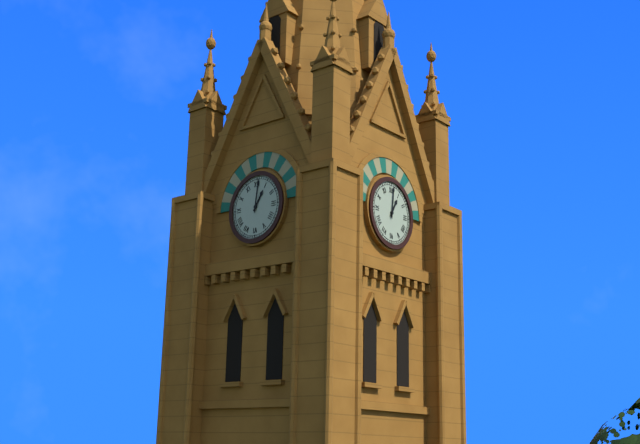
1:01
